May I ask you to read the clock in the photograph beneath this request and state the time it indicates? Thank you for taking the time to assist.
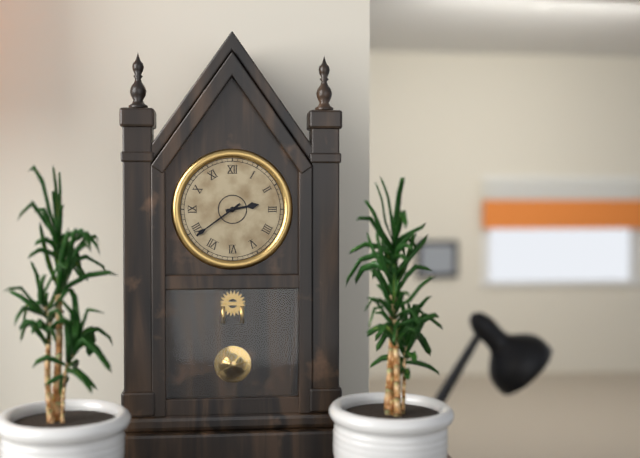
2:39
